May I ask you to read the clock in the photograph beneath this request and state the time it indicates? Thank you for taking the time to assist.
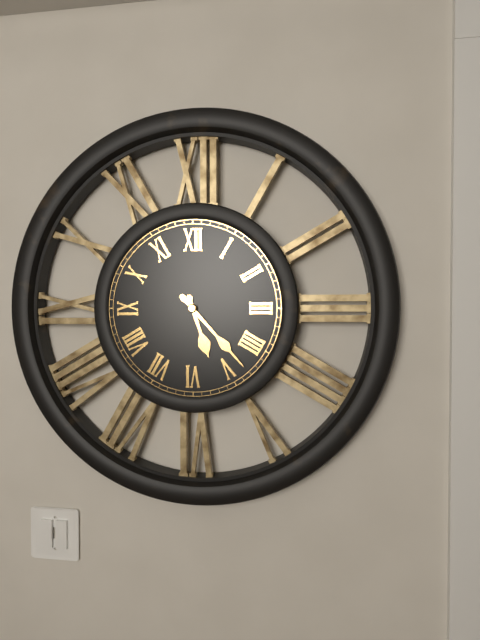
5:23
